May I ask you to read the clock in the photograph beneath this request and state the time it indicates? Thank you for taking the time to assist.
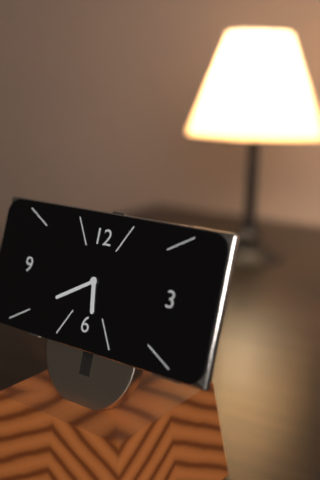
5:40
